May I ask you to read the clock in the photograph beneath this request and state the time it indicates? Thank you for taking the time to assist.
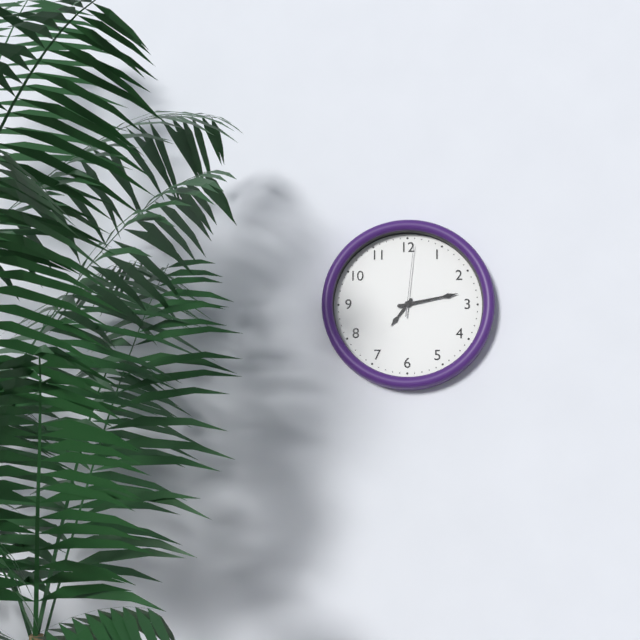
7:13:01
